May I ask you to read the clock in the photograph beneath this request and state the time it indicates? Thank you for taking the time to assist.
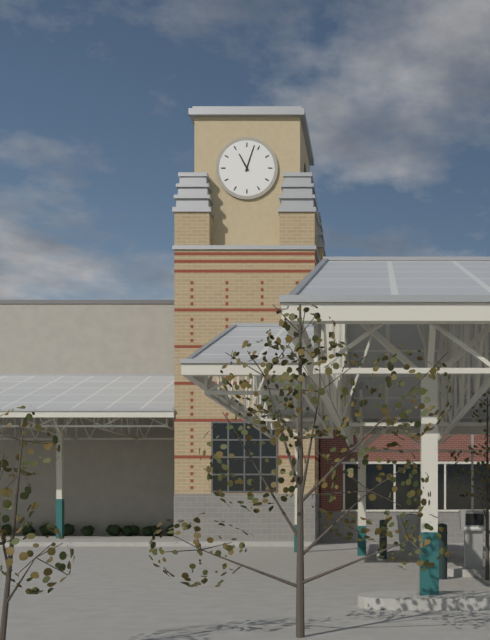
11:03
